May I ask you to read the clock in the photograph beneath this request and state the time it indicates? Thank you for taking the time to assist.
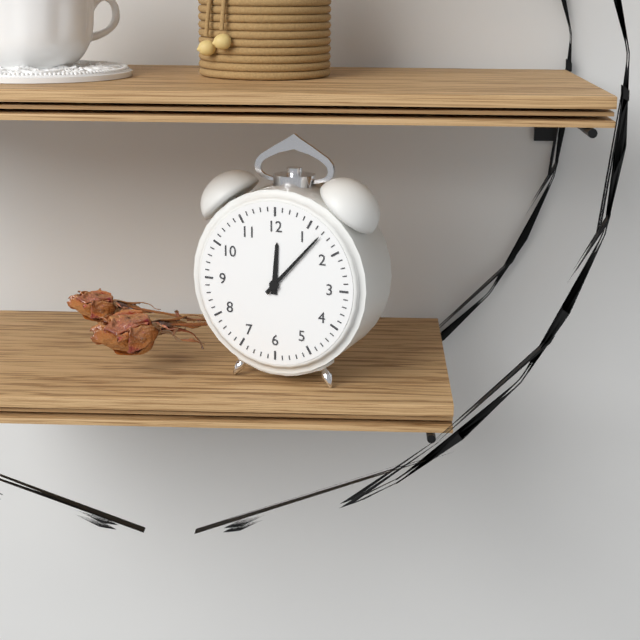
12:07
